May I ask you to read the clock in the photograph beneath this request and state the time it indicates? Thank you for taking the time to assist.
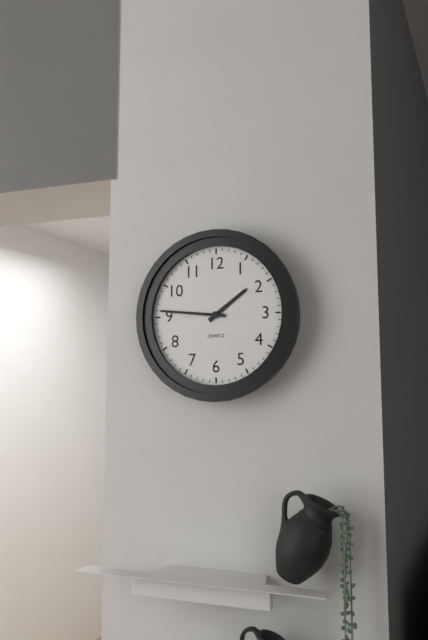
1:46
